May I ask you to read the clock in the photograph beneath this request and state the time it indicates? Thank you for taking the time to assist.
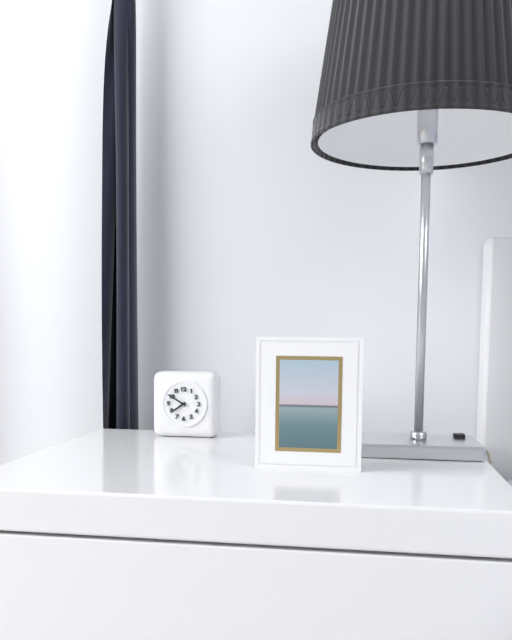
7:50
